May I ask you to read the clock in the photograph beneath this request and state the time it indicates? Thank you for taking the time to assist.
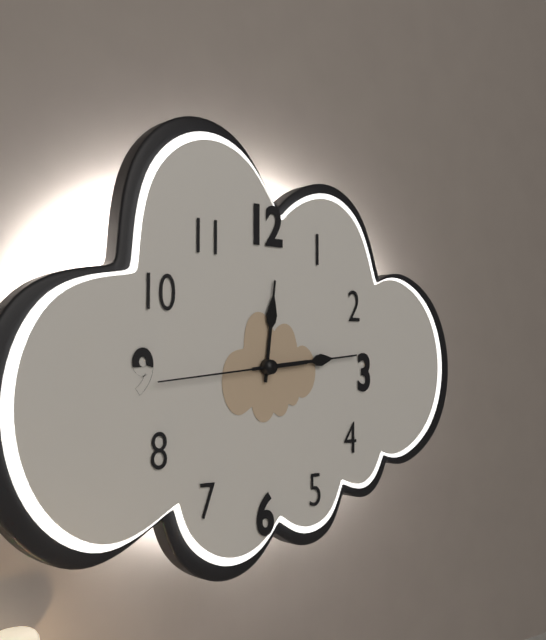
12:14:44
